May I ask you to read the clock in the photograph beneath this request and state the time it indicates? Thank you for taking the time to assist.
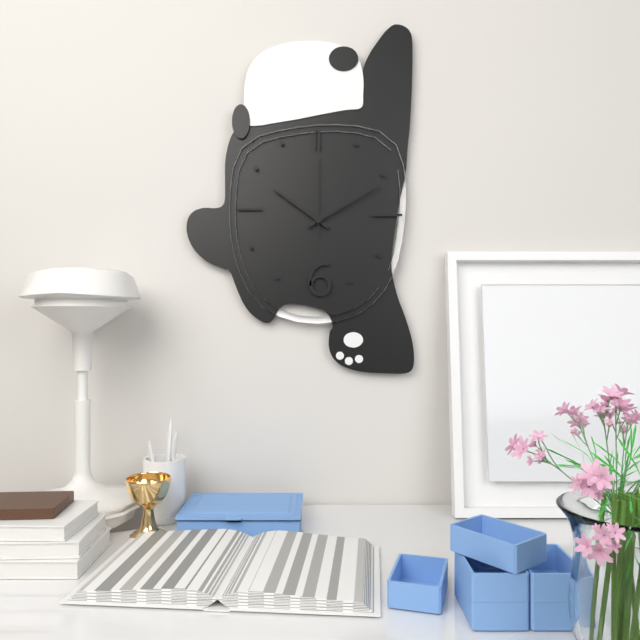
10:10:00
